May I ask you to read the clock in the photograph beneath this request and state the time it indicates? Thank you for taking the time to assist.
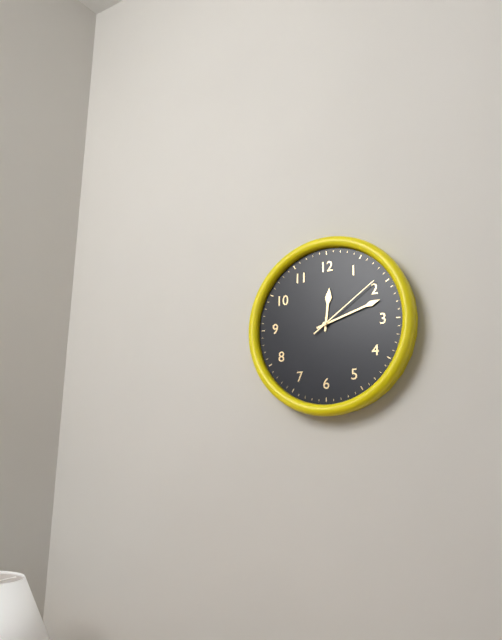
12:12:09
